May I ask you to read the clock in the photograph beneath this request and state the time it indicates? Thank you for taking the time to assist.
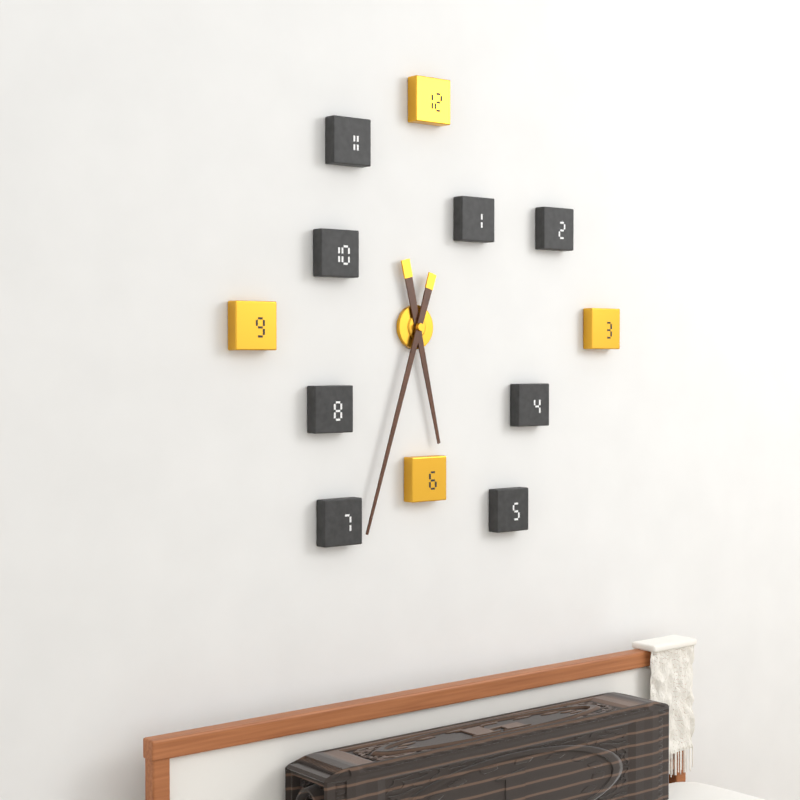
5:33
